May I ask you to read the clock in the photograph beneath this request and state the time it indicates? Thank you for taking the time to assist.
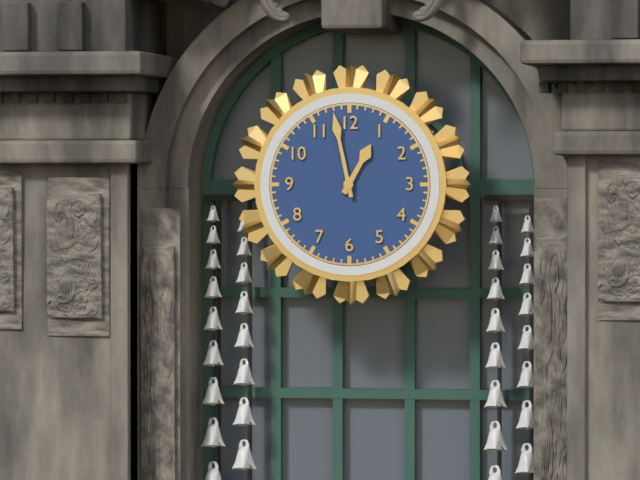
12:58
